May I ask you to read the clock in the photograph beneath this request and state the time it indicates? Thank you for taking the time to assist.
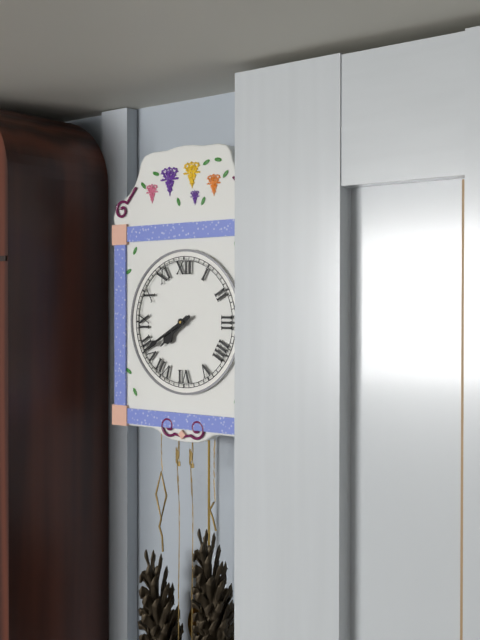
7:40
